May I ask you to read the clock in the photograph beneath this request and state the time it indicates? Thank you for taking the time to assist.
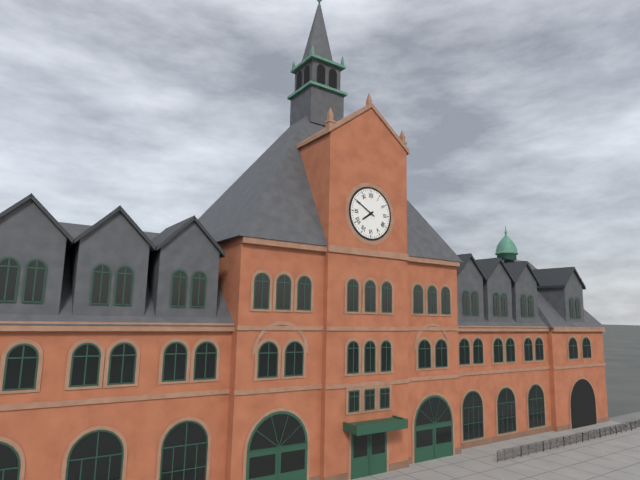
7:50
